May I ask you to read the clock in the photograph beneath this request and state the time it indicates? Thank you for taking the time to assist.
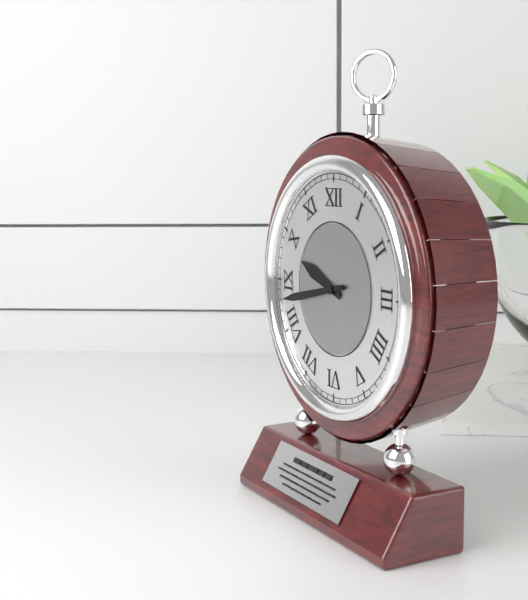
9:43
